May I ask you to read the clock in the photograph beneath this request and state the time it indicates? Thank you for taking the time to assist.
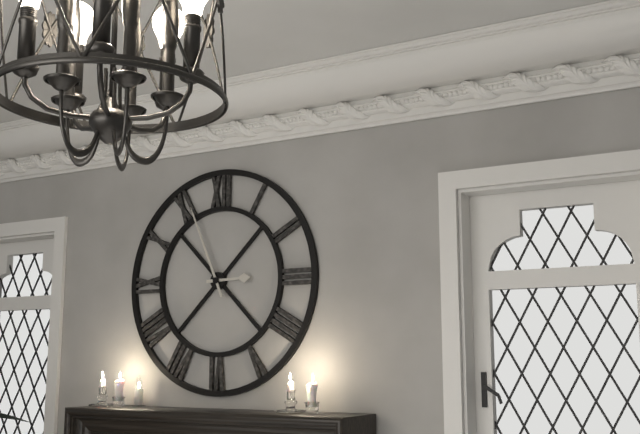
2:56
